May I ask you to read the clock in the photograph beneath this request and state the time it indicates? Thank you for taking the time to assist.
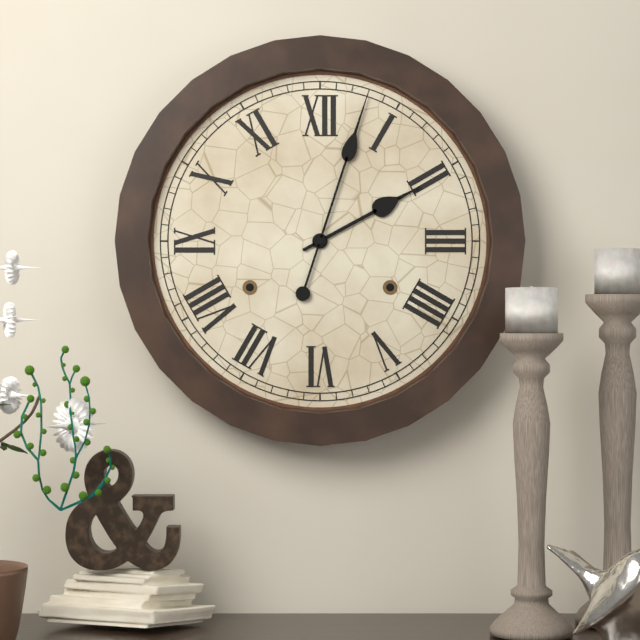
2:03
